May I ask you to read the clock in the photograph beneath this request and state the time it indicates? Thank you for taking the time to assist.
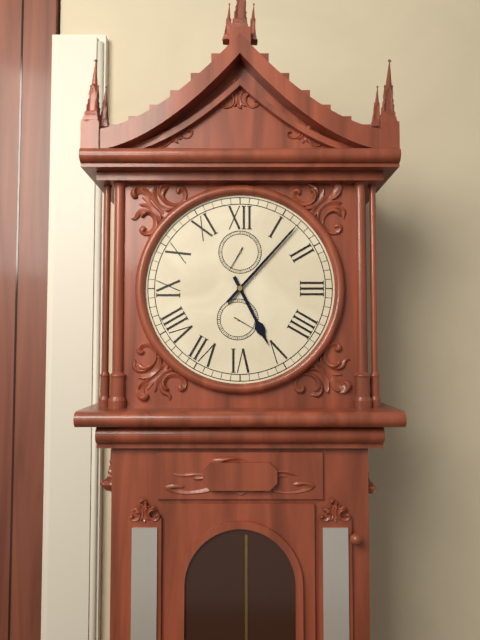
5:07
